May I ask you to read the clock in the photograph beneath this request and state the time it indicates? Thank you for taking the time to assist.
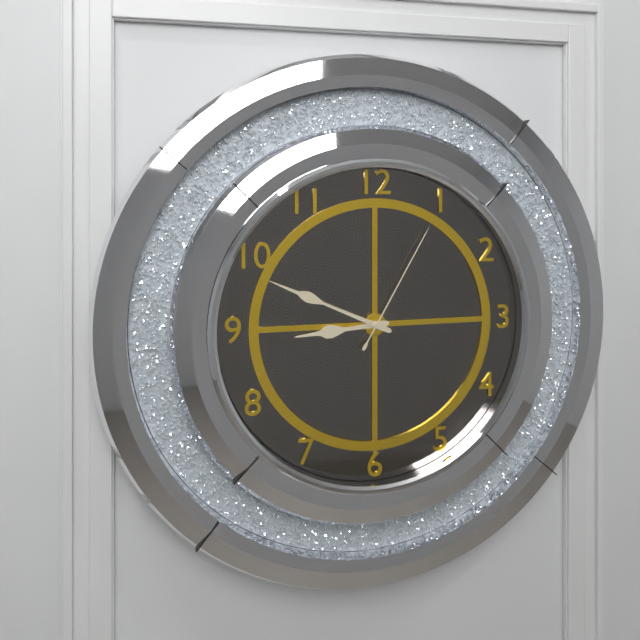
8:49:05
